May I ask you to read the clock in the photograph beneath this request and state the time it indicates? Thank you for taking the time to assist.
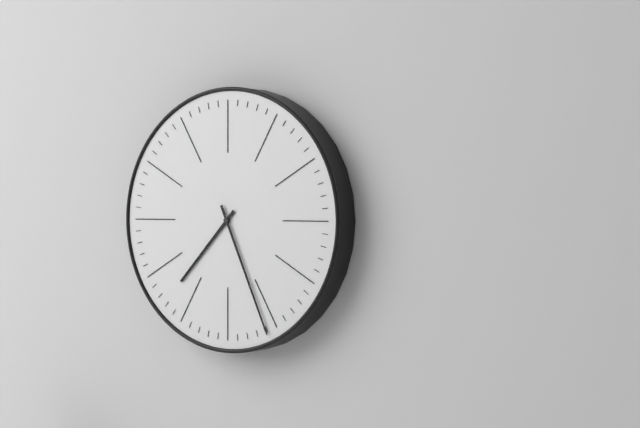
7:26
